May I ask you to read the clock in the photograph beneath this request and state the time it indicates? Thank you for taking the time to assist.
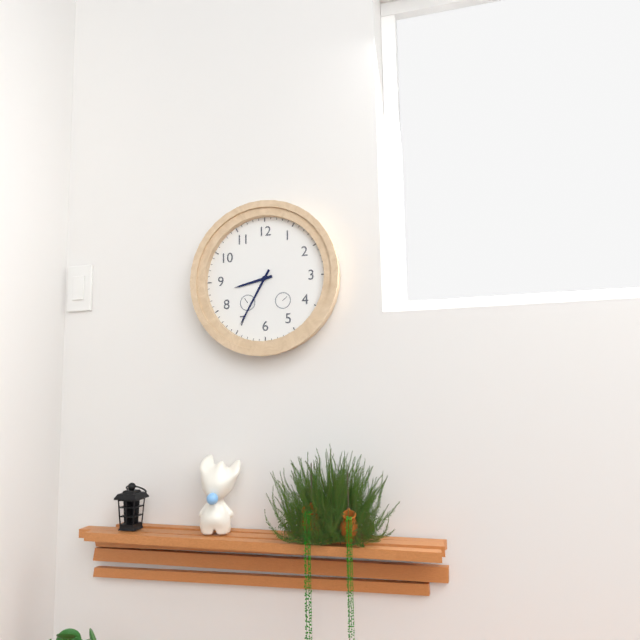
8:35
